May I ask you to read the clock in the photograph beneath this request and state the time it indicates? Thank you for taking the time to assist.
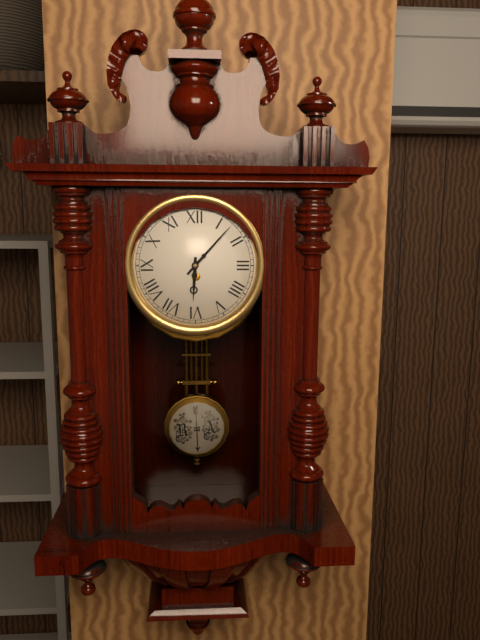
6:07
